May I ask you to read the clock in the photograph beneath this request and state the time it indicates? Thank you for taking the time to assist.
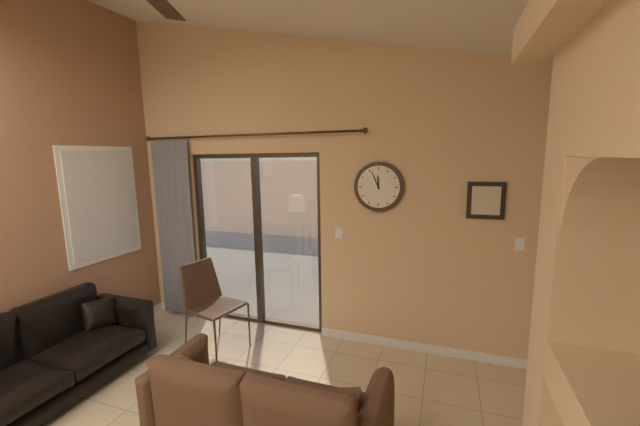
11:56
